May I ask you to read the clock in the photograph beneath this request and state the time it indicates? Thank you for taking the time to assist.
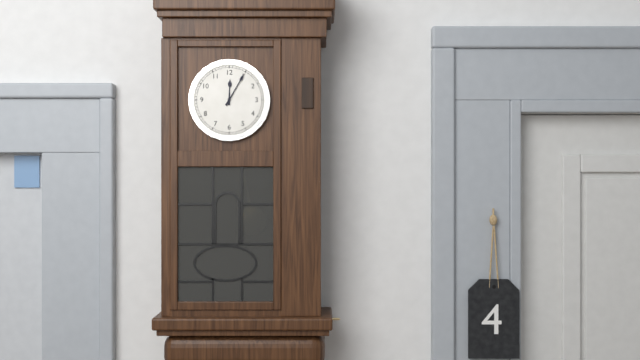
12:05
